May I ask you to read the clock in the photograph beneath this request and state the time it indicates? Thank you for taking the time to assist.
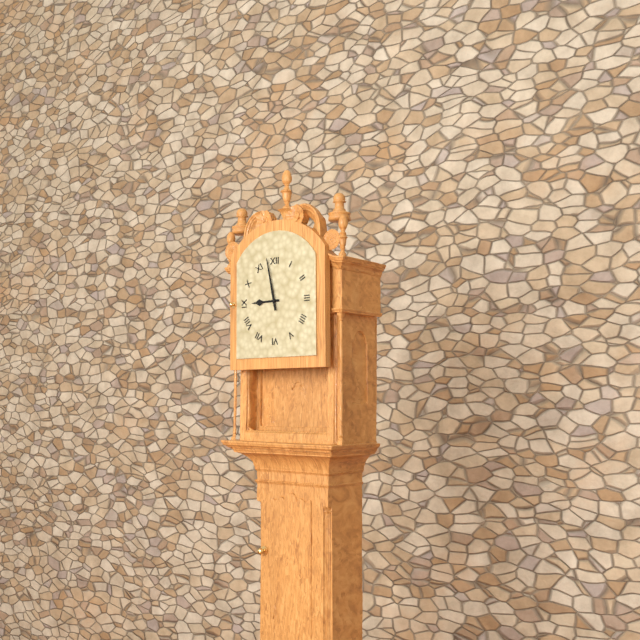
8:58
